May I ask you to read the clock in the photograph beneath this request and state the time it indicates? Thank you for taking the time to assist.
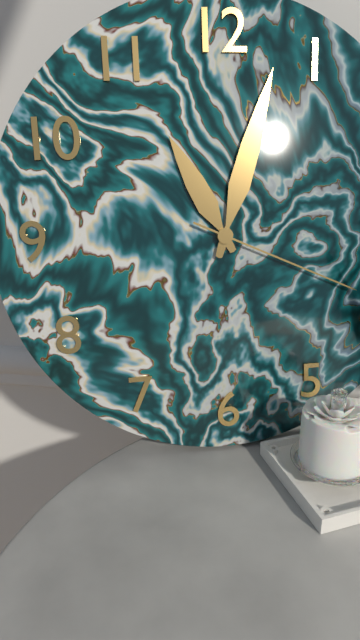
11:03:19
